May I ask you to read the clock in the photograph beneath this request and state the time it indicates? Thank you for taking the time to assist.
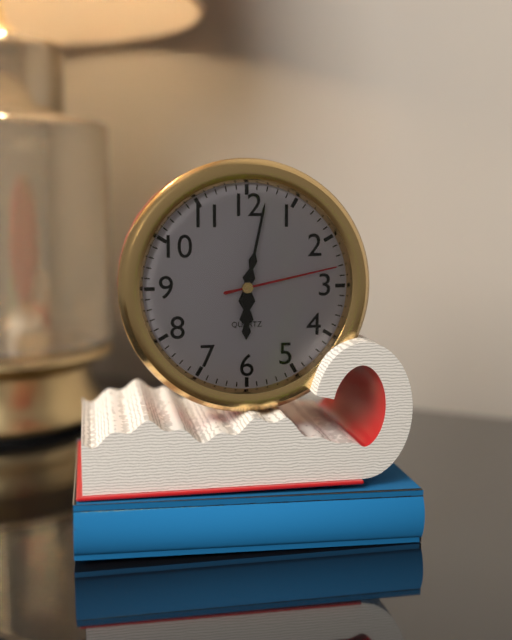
6:02:13
